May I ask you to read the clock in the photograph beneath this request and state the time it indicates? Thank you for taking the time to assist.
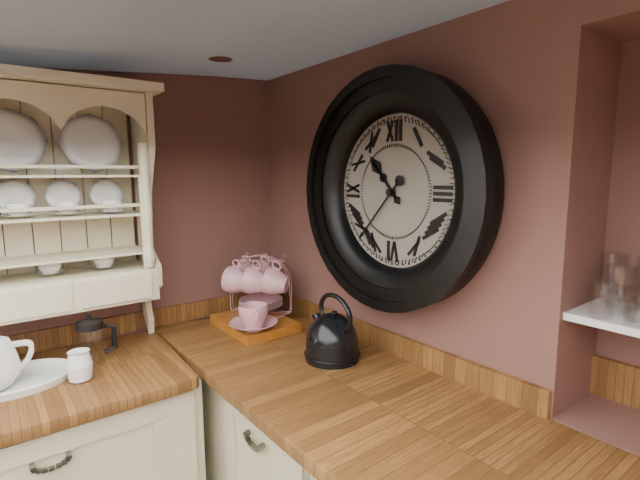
10:37
